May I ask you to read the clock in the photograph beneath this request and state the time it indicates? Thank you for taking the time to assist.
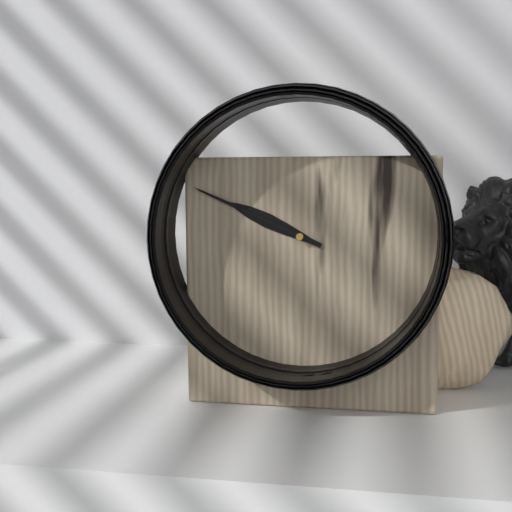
9:49
